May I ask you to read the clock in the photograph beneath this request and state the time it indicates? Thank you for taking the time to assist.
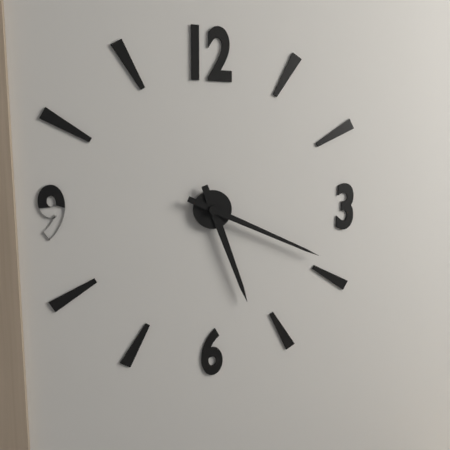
5:19
